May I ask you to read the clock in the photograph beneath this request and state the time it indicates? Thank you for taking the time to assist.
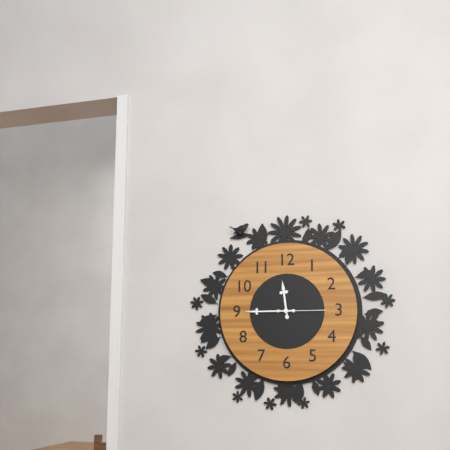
11:45
